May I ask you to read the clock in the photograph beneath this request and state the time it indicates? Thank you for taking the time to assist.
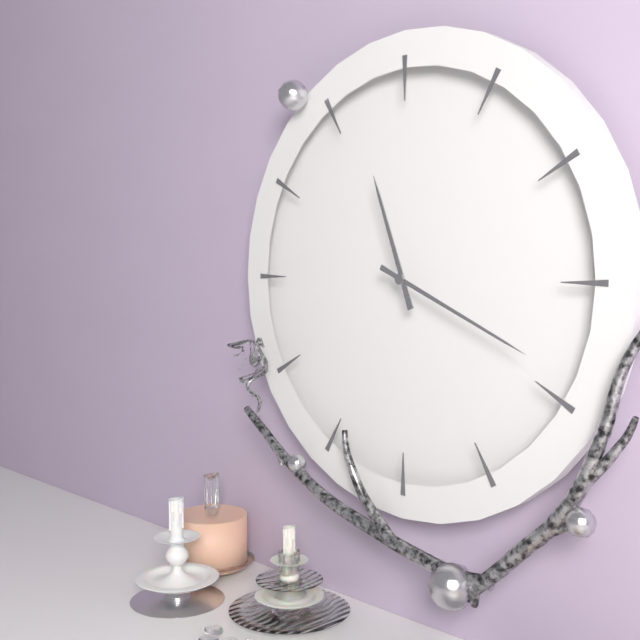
11:19
